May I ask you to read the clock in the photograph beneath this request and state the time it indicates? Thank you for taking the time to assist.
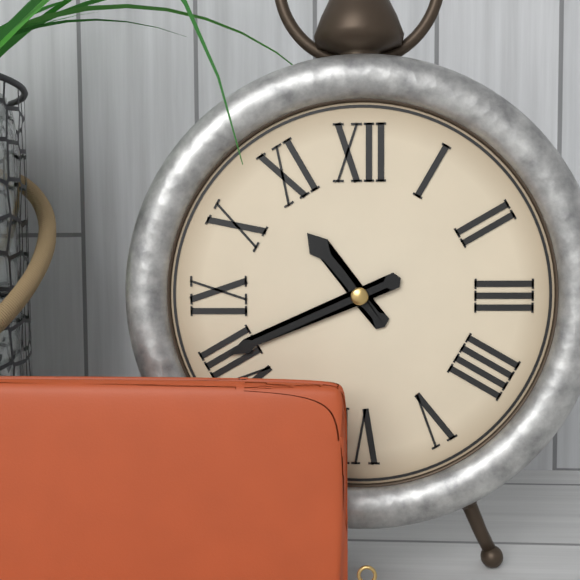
10:41
